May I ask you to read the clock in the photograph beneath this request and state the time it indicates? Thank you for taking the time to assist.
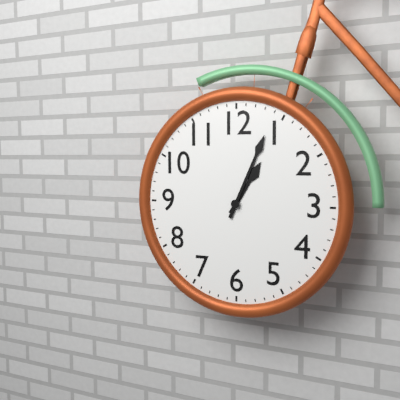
1:04
